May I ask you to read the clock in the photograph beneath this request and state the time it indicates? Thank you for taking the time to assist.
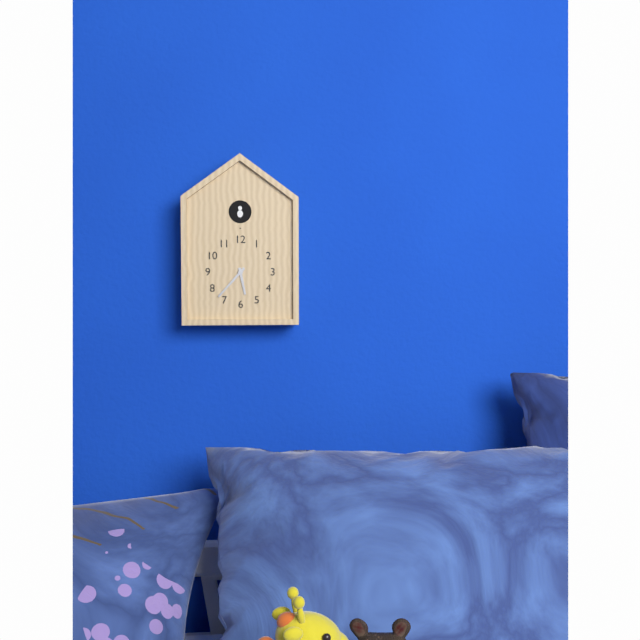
5:37
